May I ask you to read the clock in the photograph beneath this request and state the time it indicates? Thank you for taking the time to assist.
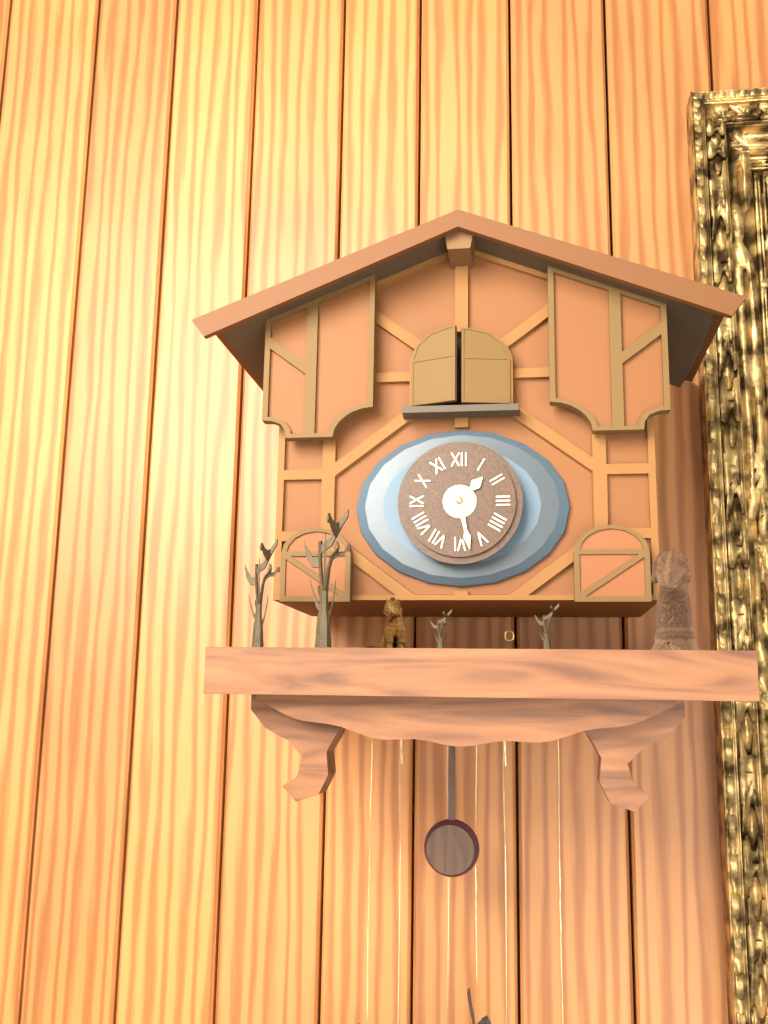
1:28
